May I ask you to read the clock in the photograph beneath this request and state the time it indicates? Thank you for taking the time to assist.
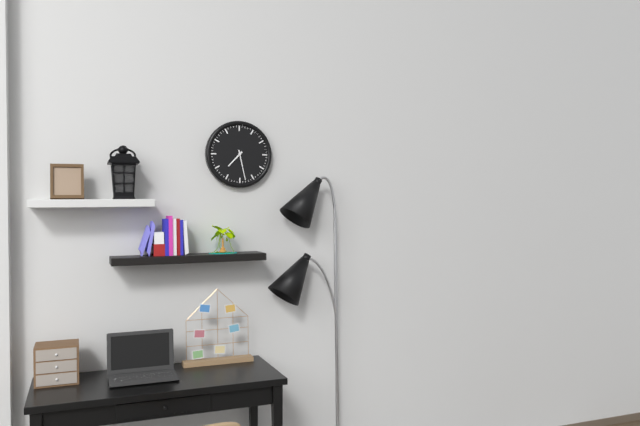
7:28
